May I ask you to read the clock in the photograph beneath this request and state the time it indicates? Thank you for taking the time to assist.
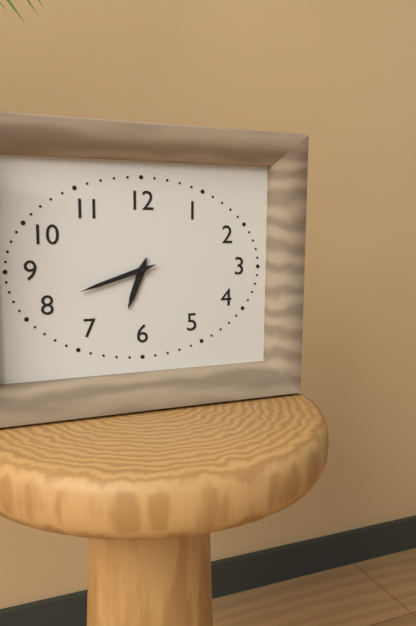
6:42
